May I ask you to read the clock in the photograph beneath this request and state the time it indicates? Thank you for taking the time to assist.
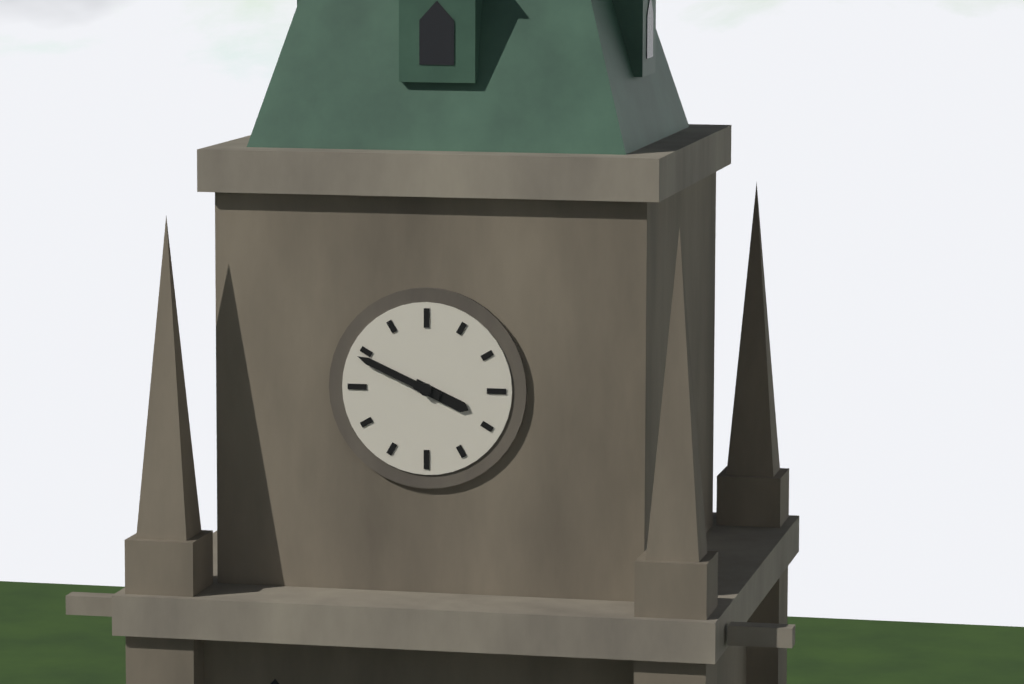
3:49
